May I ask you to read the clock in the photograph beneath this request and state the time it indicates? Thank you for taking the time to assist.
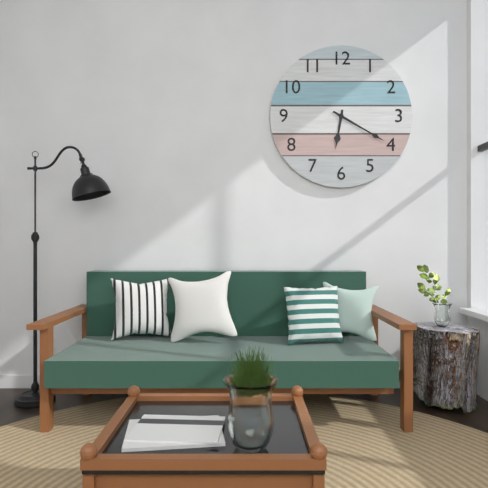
6:20
